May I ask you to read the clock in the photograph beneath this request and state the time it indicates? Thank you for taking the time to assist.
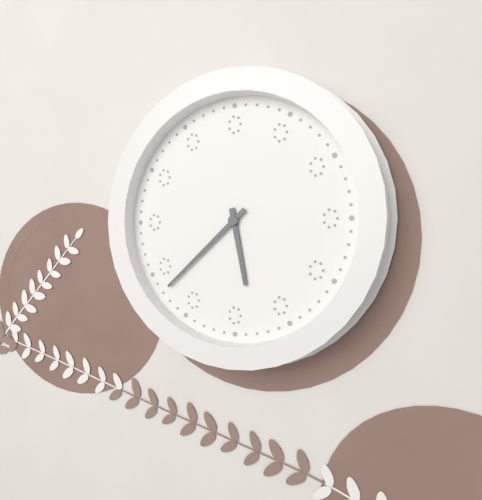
5:38
